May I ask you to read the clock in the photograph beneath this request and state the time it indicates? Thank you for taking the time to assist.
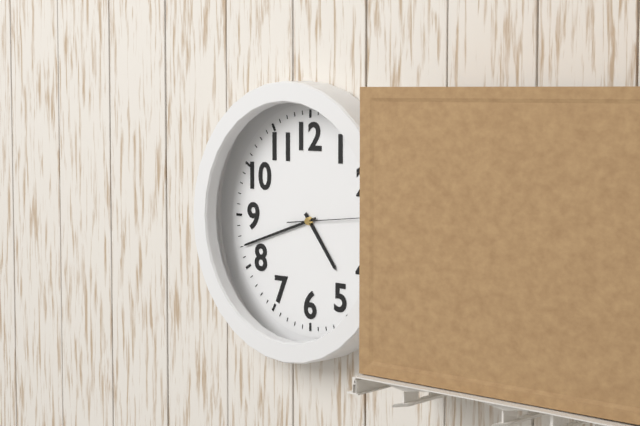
4:42:14
